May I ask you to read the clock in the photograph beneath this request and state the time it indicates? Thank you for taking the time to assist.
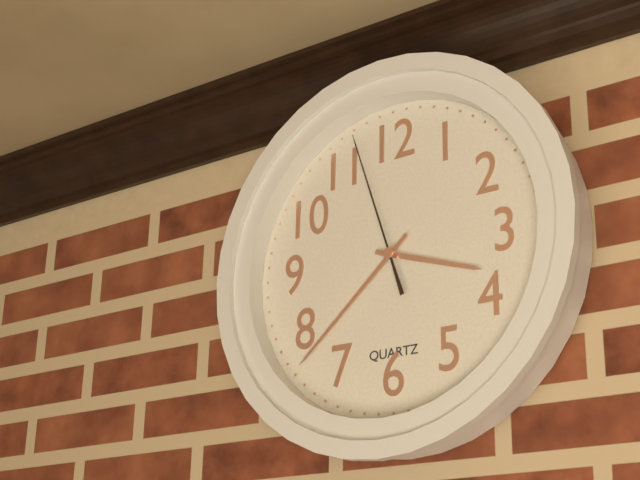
3:38:57
